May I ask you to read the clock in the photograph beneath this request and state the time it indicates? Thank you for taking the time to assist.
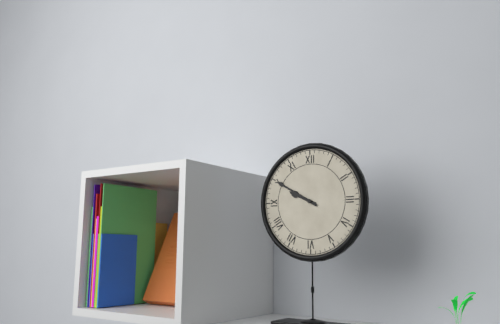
9:50
